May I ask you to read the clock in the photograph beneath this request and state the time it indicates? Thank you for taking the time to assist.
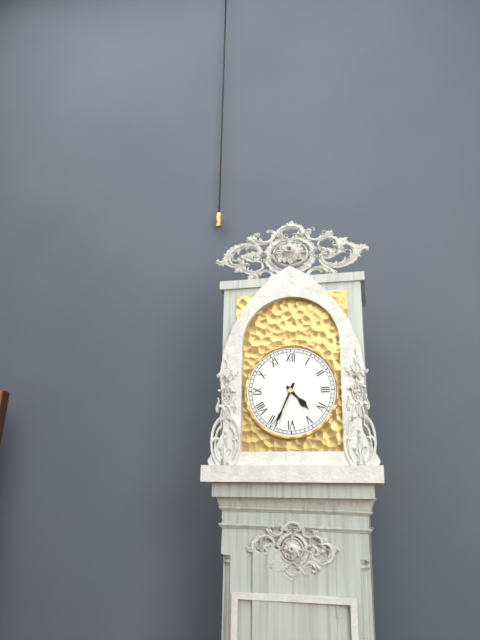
4:34
